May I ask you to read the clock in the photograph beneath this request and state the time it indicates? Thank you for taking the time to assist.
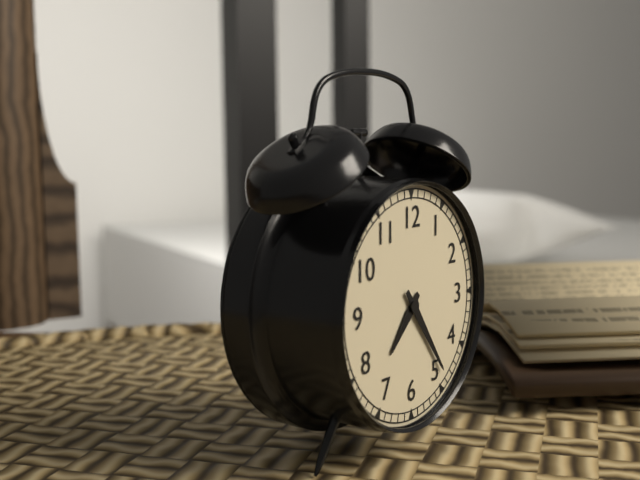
7:24
